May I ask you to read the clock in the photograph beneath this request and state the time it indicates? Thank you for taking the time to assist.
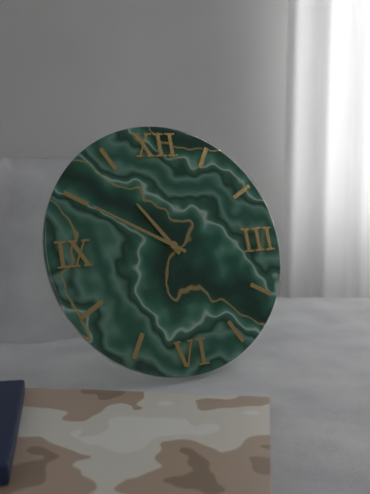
10:50
